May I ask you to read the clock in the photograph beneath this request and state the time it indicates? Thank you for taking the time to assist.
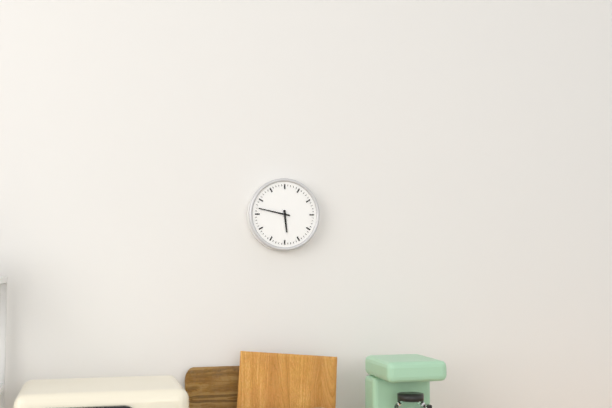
5:47
